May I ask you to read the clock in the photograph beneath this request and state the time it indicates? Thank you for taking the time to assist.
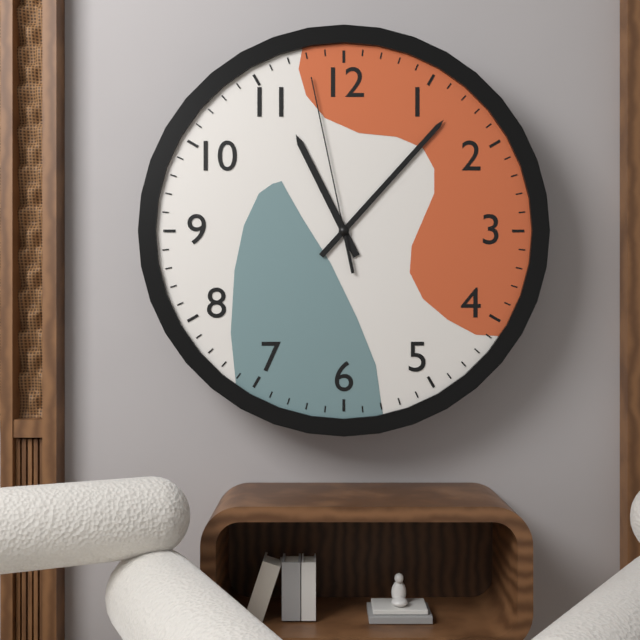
11:07:58
